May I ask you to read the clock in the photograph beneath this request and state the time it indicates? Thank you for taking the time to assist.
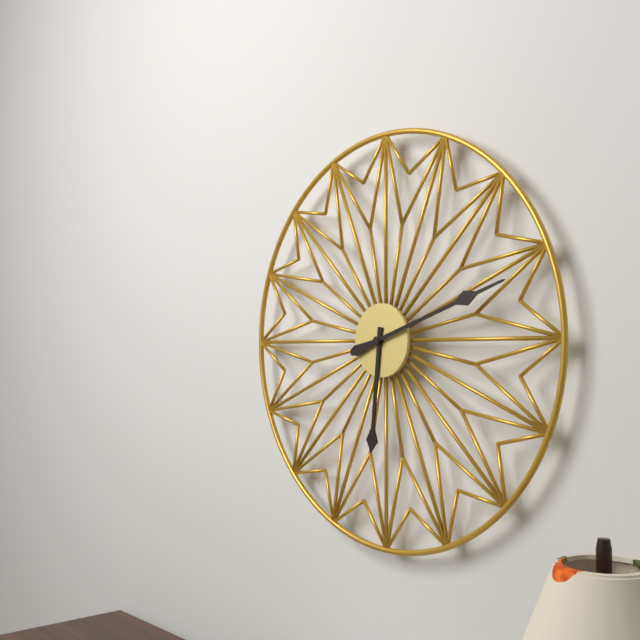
6:12
